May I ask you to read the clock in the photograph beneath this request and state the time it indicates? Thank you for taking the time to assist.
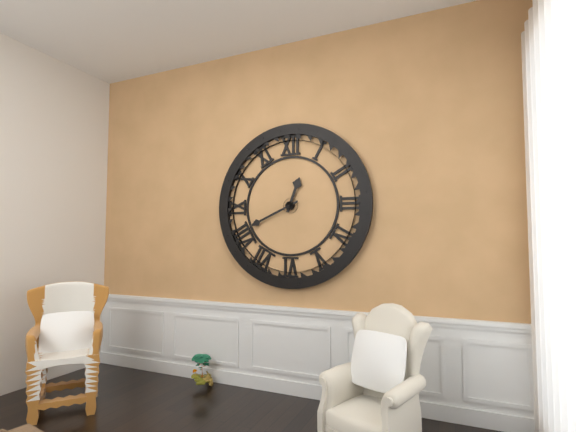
12:41
